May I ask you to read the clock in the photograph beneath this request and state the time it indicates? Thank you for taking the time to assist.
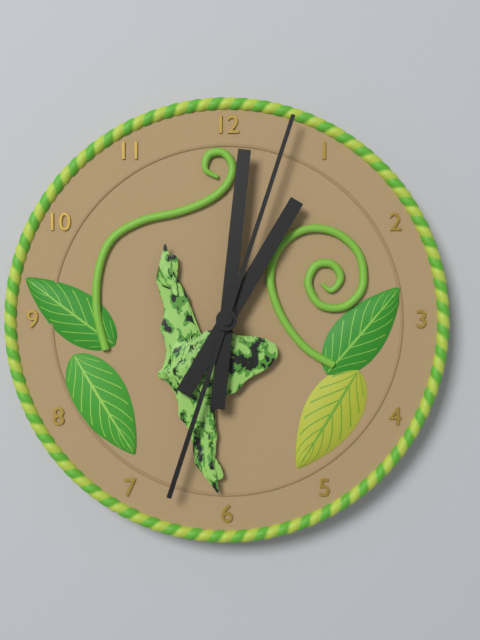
1:01:03
